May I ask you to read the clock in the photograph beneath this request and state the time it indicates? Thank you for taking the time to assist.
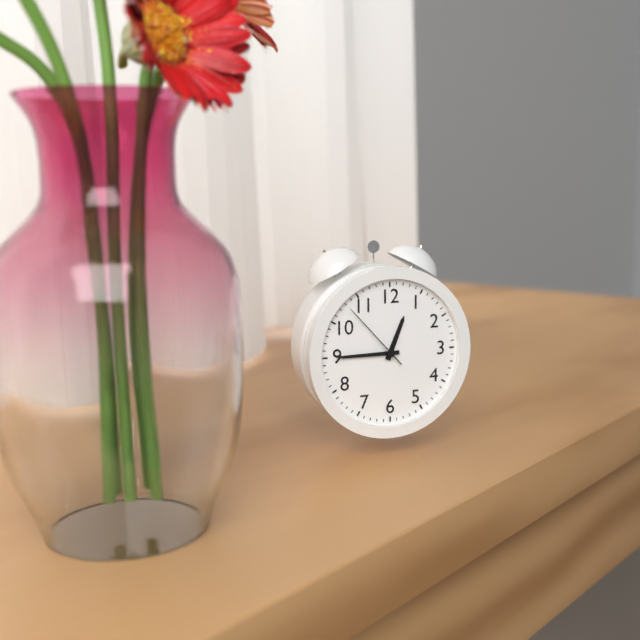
12:45:53
